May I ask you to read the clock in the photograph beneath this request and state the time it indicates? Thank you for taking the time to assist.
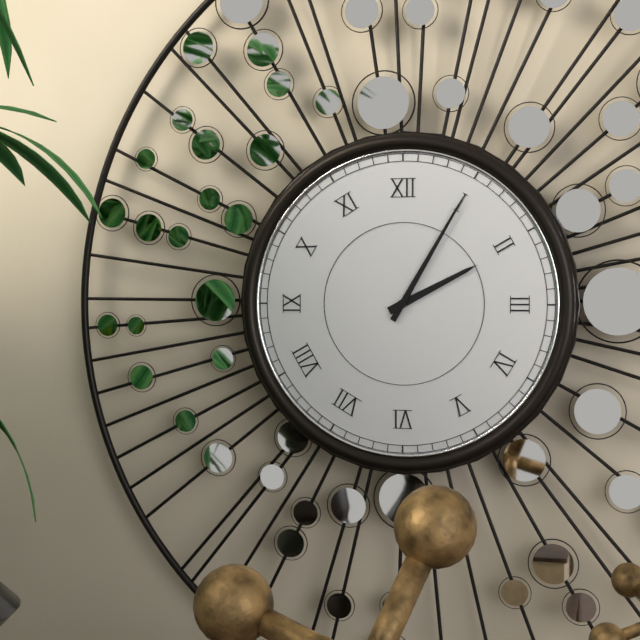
2:05
